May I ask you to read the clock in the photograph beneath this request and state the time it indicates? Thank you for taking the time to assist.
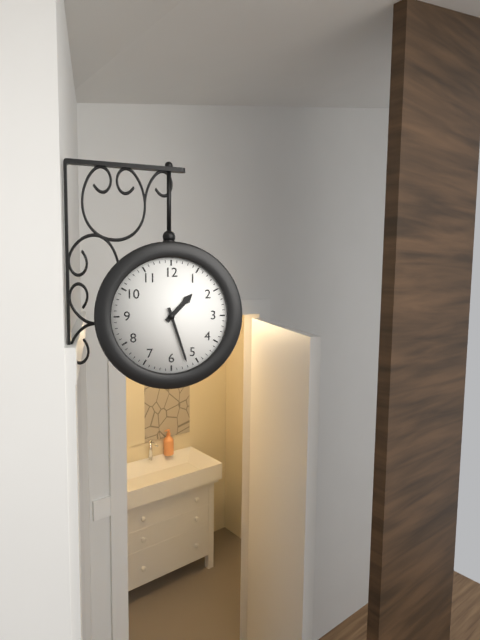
1:27
